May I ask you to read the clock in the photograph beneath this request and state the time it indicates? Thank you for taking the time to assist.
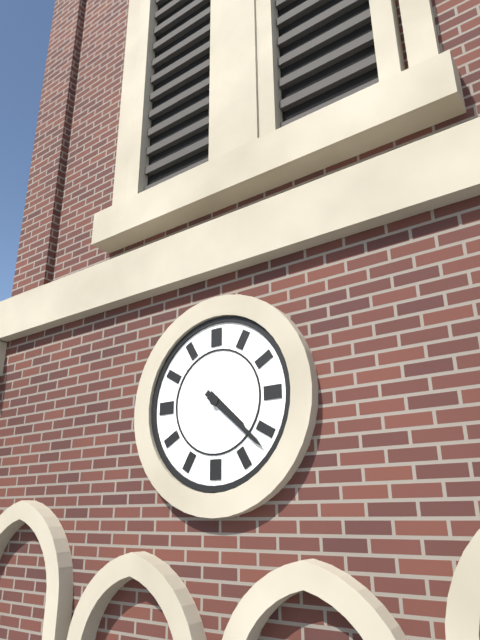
4:22
